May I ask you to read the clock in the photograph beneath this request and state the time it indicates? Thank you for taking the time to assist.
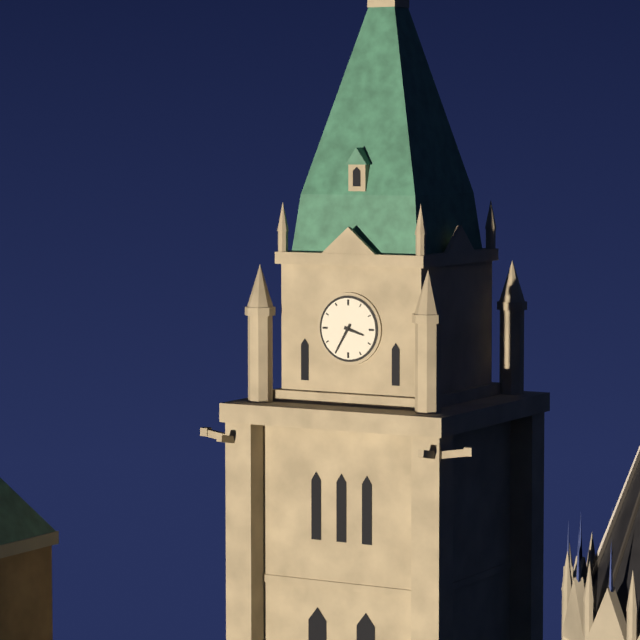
3:35
